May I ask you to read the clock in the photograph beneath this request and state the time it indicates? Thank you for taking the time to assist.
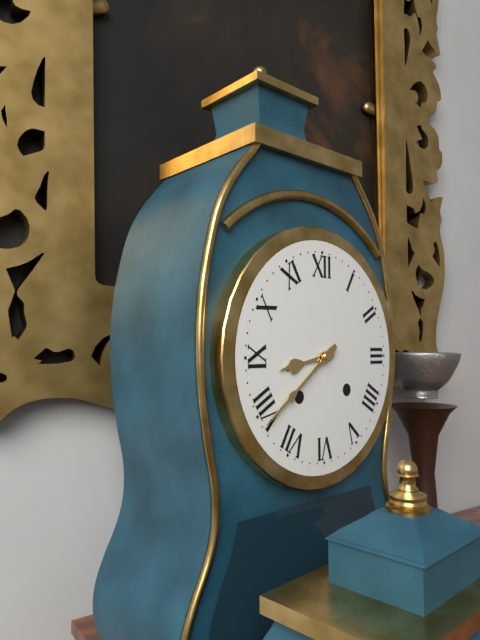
8:39
